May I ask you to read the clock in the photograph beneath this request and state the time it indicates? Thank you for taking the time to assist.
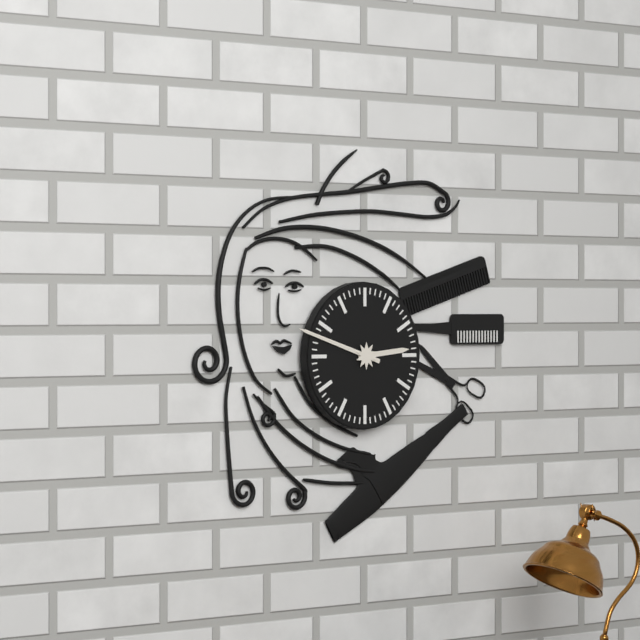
2:48
